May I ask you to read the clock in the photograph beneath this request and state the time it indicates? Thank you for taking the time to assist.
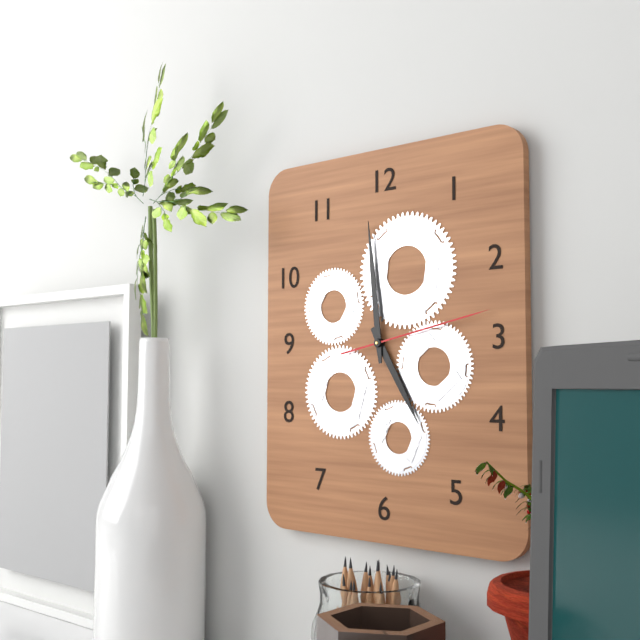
4:59:13
